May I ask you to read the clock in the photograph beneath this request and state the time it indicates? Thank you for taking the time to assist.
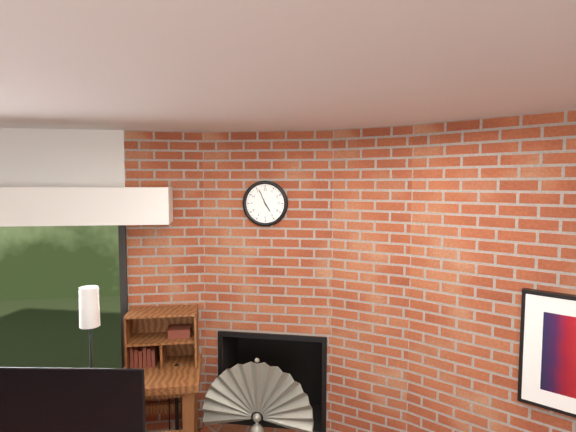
4:56
